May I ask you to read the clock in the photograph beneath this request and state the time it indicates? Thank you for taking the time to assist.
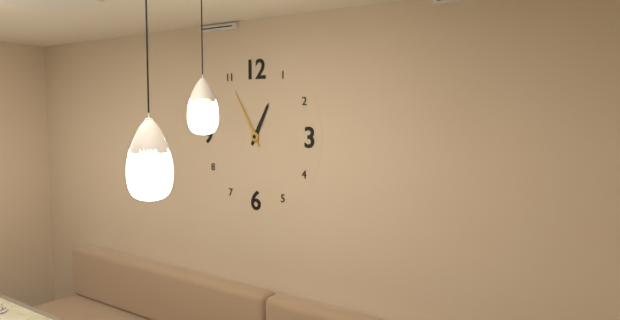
12:55
